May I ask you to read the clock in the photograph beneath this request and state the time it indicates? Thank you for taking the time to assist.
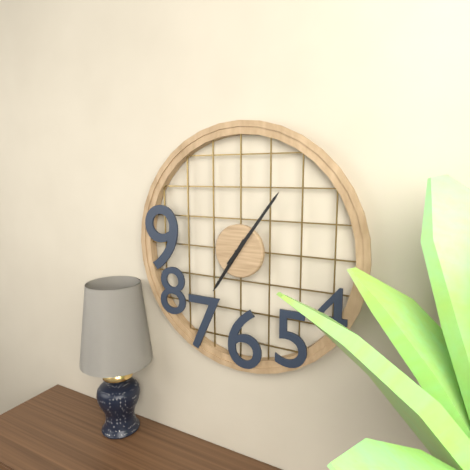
7:06
